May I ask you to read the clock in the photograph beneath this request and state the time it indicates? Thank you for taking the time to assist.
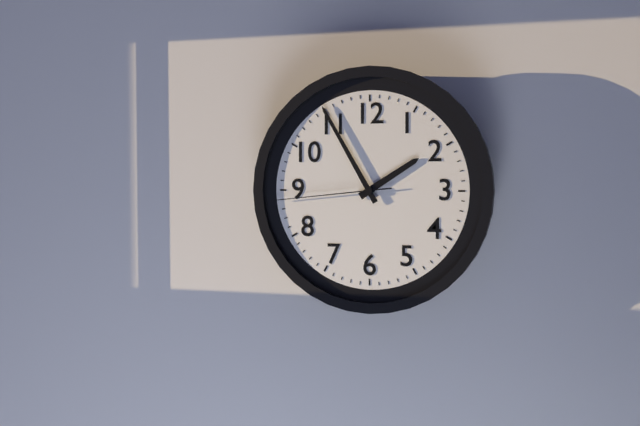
1:55:44
